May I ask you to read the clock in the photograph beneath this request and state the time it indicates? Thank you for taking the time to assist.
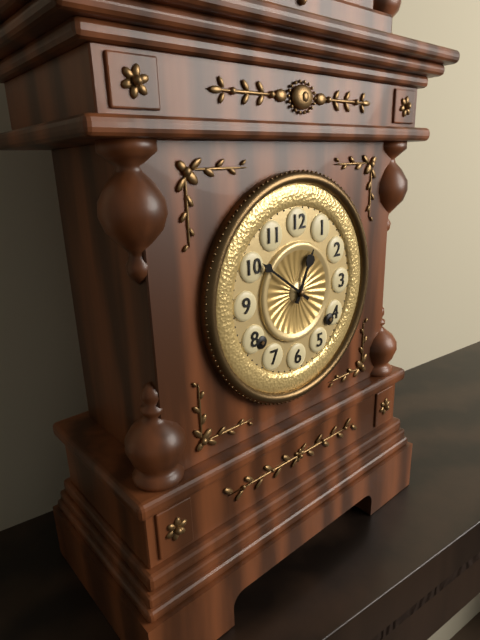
12:51
